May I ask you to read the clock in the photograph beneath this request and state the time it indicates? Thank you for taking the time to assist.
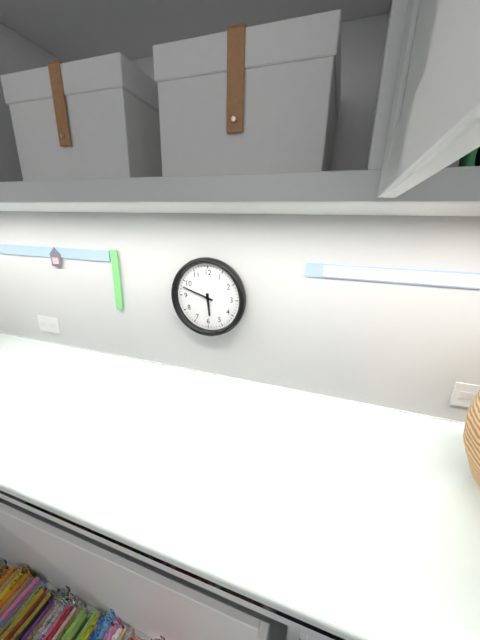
5:48
